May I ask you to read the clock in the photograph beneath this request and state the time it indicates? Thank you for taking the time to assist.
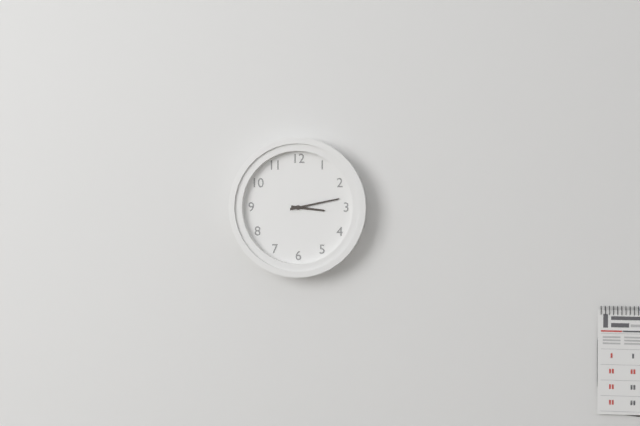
3:13
